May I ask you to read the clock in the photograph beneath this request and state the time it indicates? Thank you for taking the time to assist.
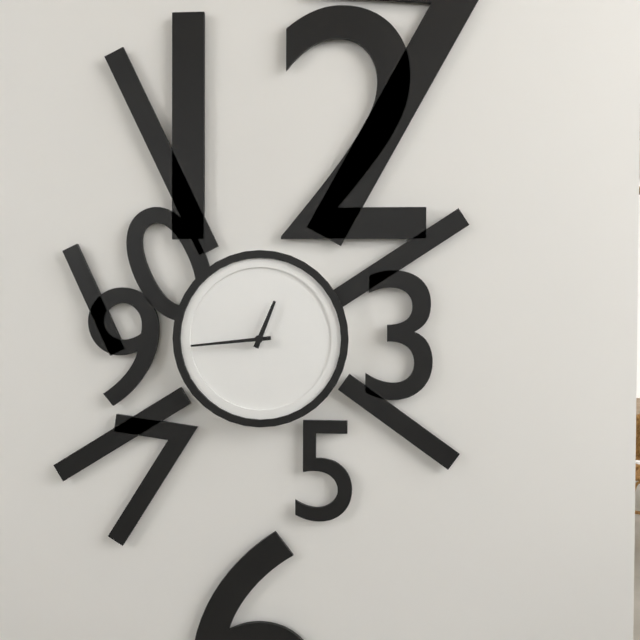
12:44
